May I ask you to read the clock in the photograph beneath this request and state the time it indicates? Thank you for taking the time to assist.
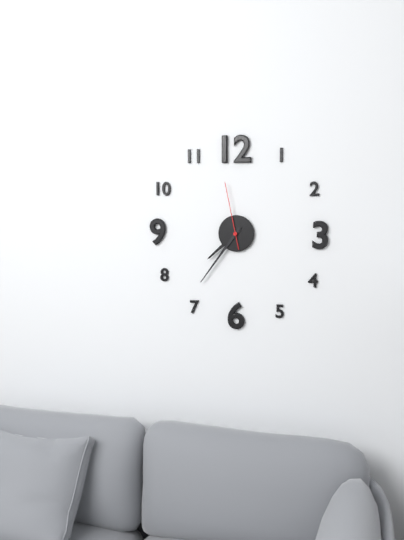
7:36:58
